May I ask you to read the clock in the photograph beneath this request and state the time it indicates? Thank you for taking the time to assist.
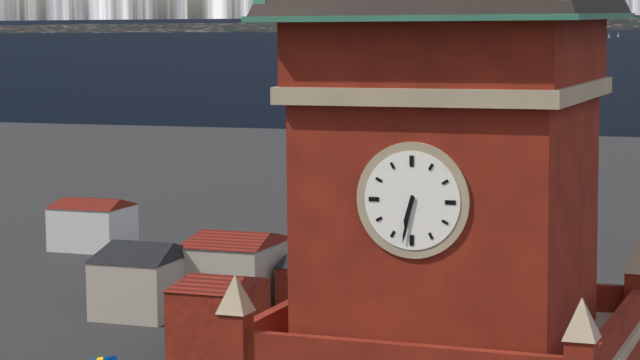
6:32
